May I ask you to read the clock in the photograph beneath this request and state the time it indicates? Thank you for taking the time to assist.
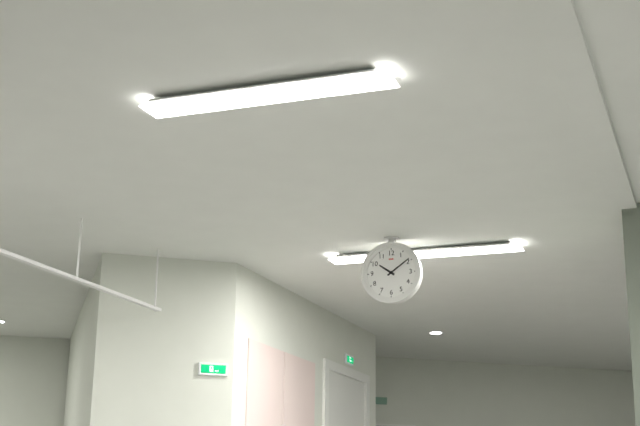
10:09
